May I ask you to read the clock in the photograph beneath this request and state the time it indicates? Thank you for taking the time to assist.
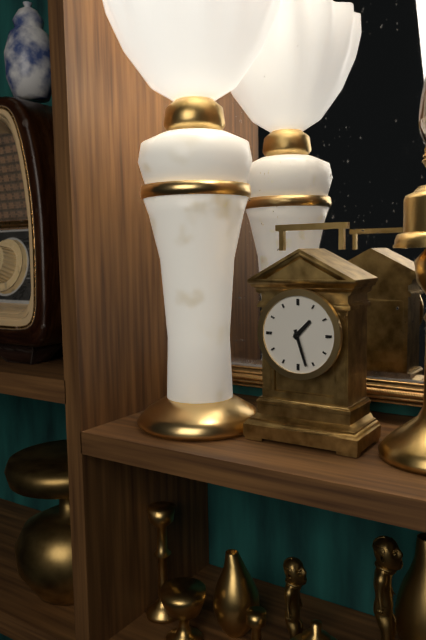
1:27
